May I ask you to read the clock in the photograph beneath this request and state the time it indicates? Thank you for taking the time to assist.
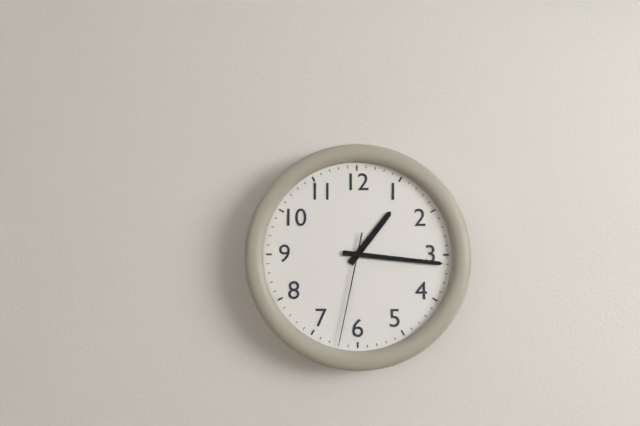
1:16:32
